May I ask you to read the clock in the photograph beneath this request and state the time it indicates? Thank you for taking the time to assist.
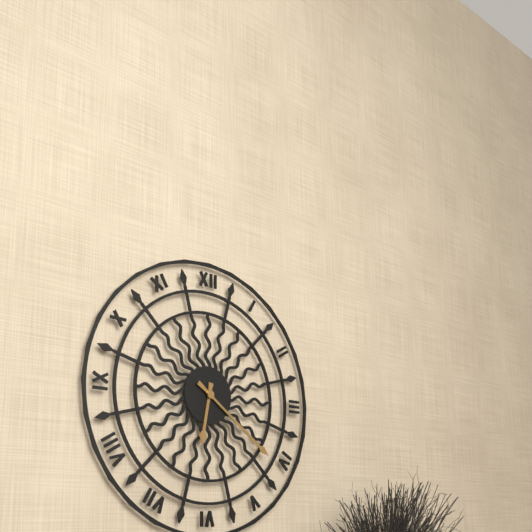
6:21
